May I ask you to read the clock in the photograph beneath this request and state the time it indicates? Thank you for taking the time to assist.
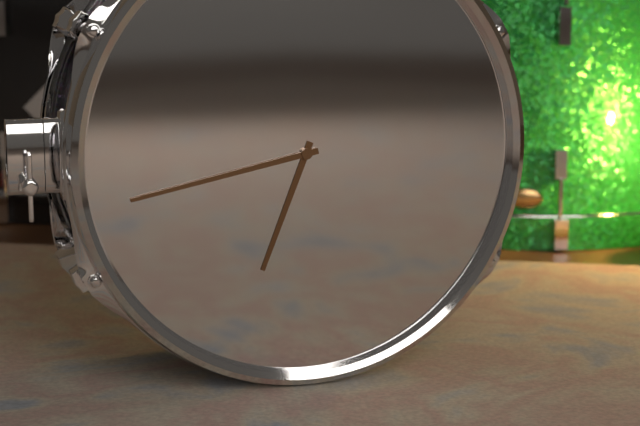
6:43
